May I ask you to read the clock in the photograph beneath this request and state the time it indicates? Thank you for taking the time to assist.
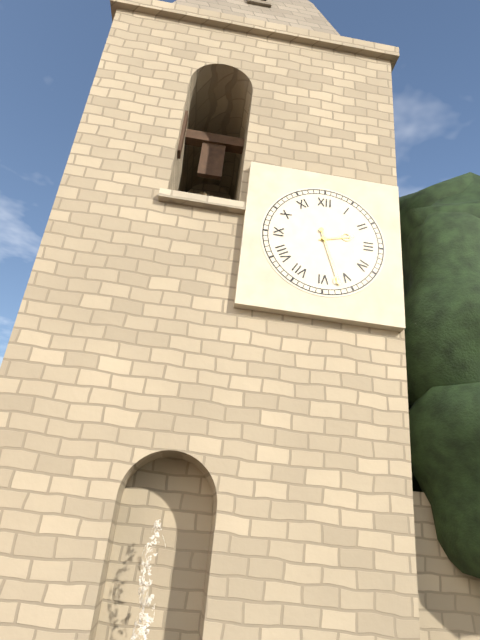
2:27
